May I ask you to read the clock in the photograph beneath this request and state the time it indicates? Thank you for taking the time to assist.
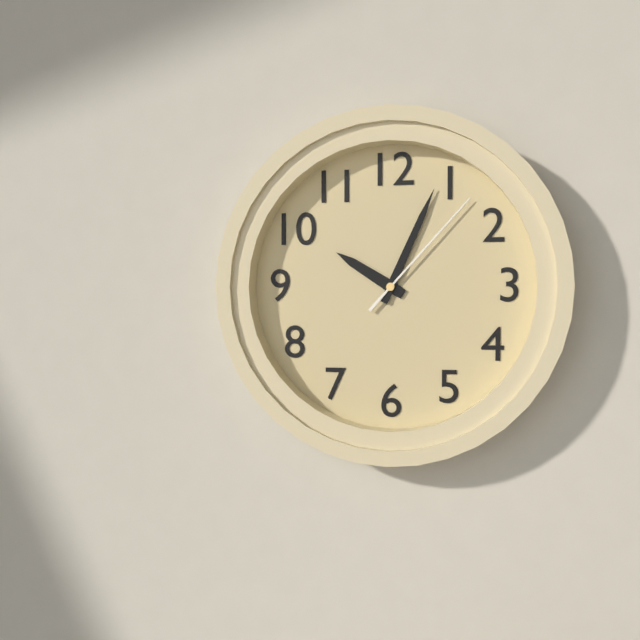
10:04:07
